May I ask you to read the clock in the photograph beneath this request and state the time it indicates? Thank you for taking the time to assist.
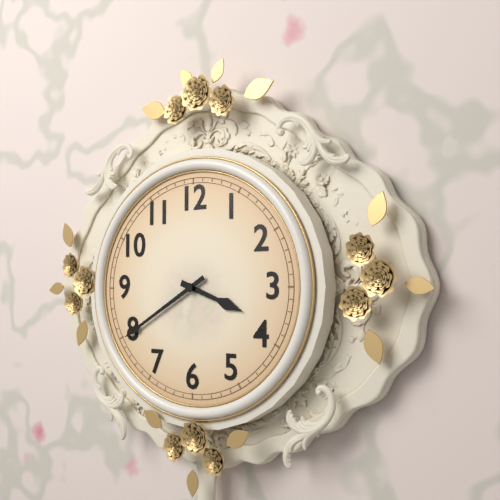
3:40
